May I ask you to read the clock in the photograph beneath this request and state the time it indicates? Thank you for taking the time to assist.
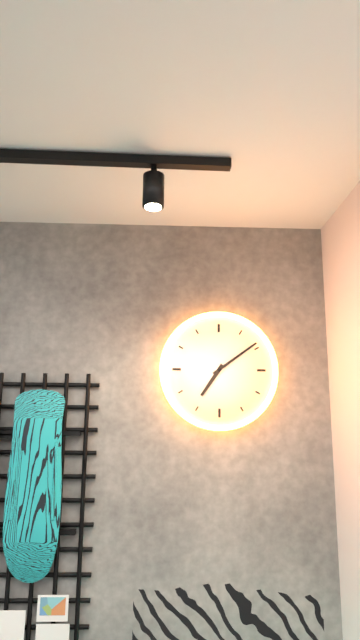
7:09
